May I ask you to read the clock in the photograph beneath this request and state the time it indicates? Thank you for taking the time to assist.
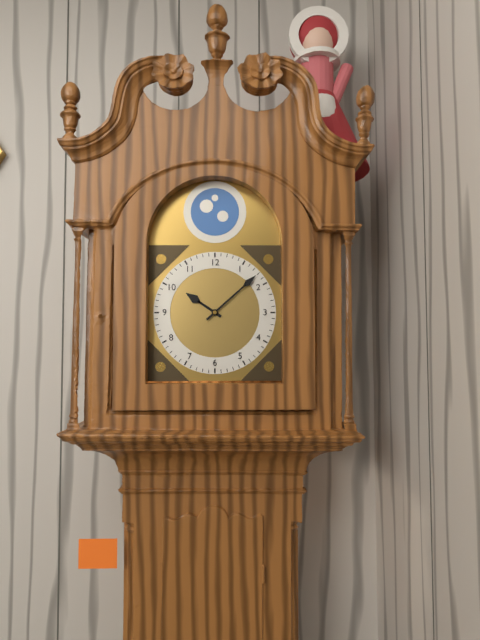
10:08
